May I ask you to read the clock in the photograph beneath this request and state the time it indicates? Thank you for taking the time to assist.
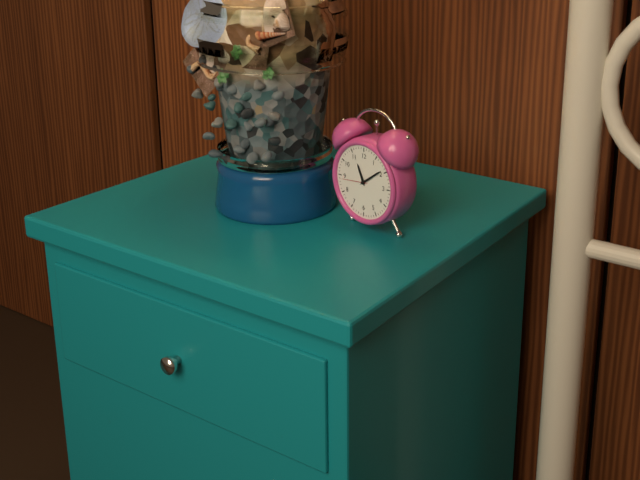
11:09
